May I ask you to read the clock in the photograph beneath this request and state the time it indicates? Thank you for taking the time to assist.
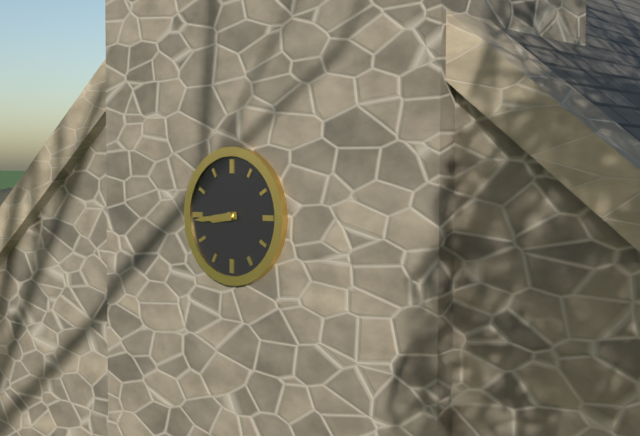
8:44
